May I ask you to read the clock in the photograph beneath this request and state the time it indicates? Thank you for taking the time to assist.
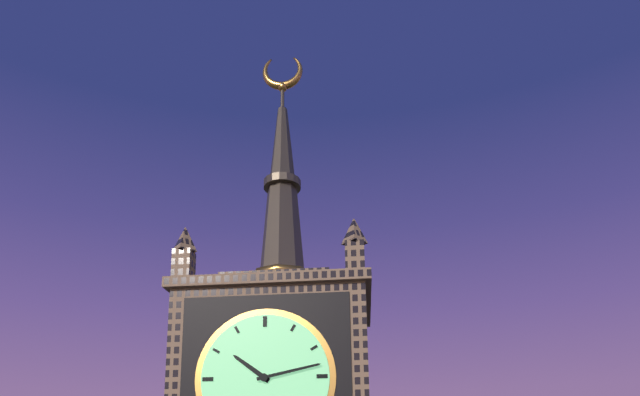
10:13
